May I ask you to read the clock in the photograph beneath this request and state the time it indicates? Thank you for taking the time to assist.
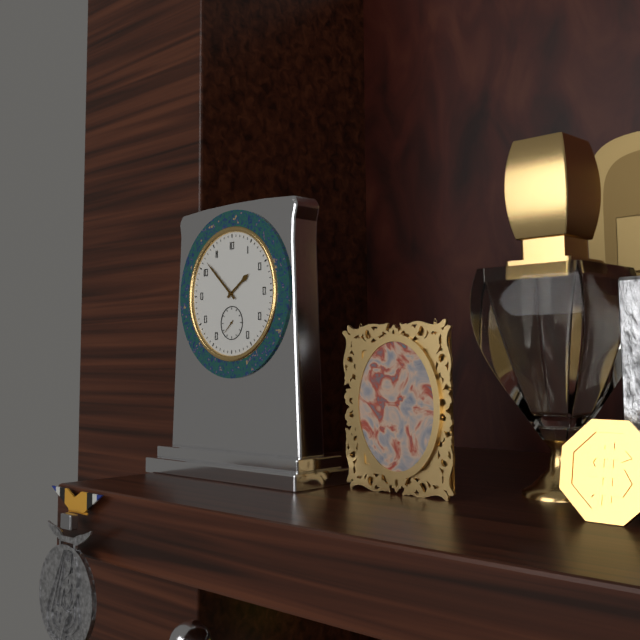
1:52
